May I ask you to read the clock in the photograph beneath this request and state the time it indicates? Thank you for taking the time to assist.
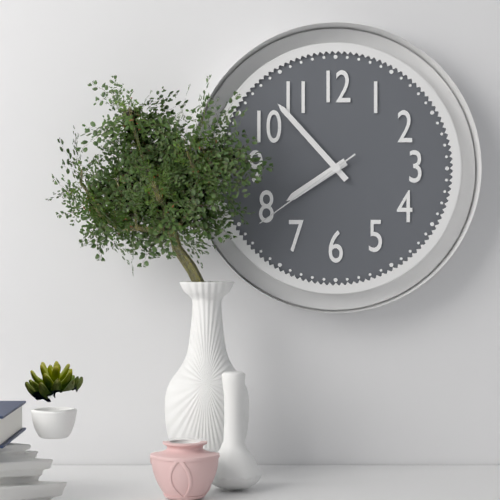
7:53:39
